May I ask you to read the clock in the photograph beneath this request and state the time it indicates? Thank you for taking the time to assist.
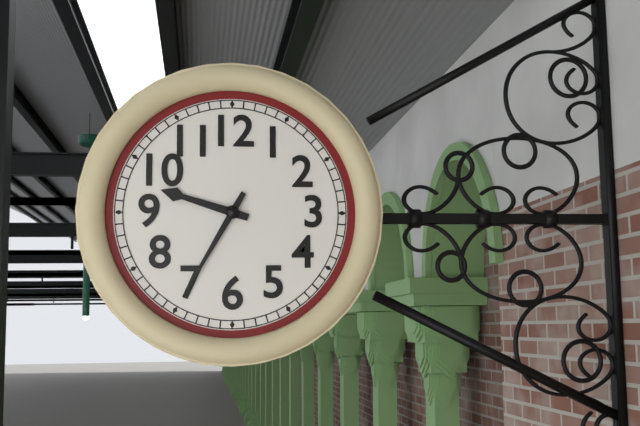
9:35
